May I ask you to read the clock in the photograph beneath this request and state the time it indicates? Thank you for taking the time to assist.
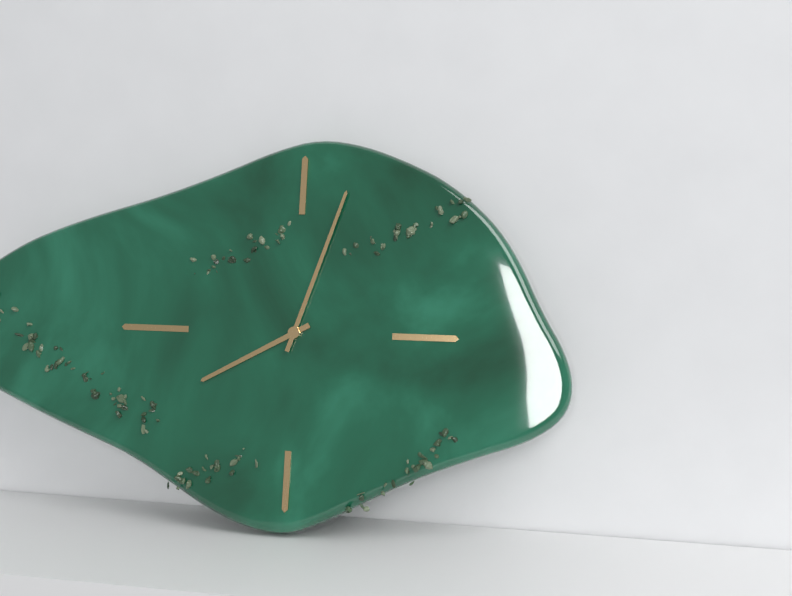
8:03
